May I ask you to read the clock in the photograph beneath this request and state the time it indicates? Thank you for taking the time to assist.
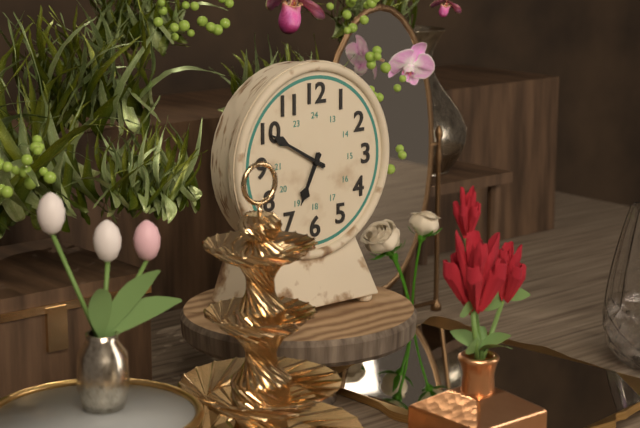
6:50
